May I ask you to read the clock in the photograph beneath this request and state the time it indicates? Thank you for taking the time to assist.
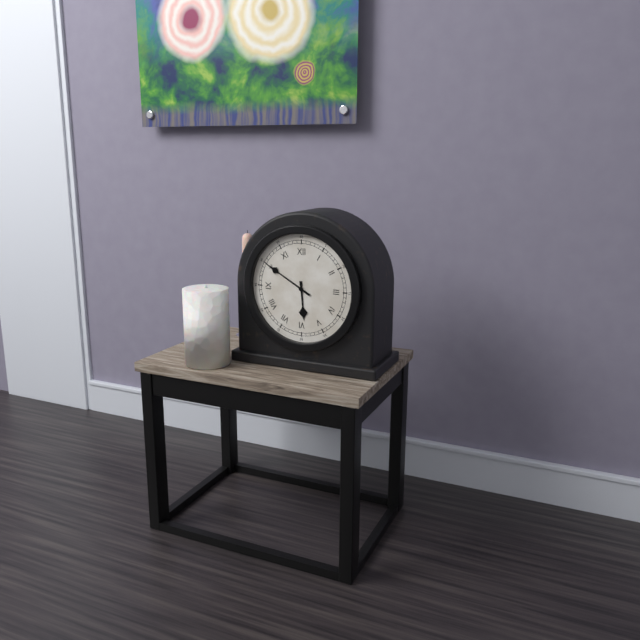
5:50
